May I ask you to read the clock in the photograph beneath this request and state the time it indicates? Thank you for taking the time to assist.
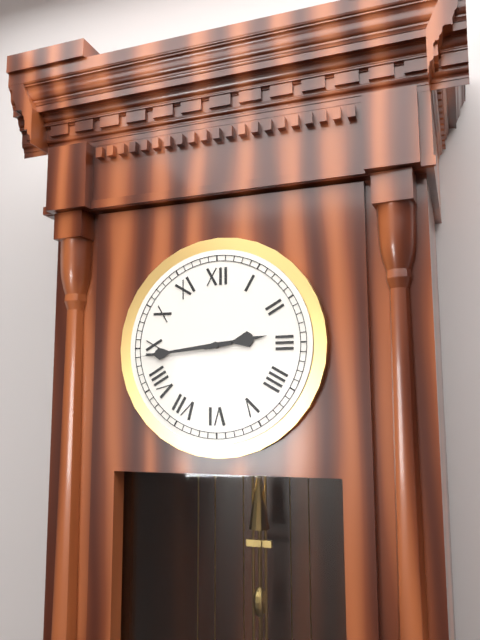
2:44
